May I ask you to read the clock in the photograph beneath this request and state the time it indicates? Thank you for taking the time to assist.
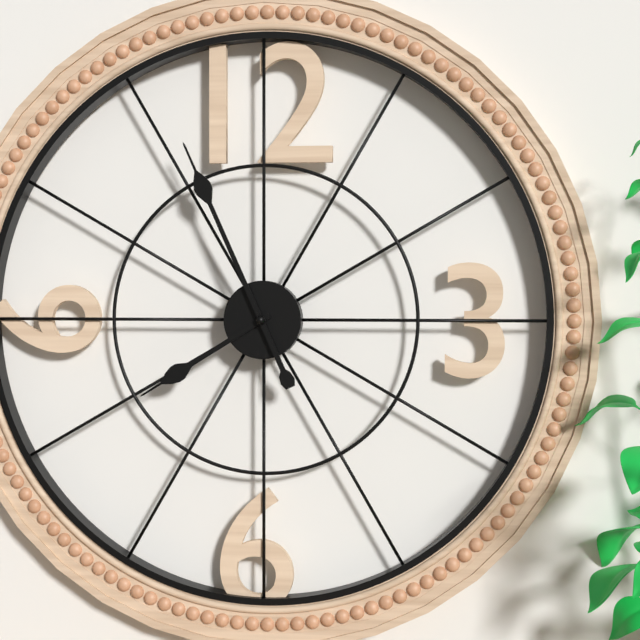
7:56
